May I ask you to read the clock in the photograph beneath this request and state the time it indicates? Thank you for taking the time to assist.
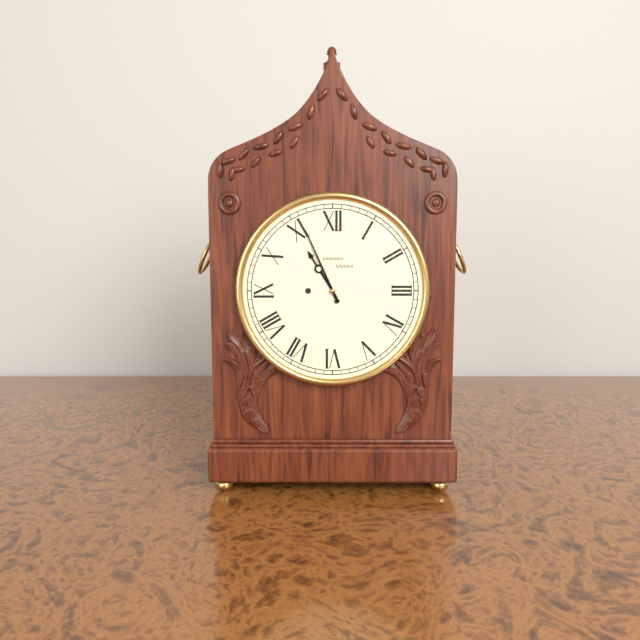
10:56
